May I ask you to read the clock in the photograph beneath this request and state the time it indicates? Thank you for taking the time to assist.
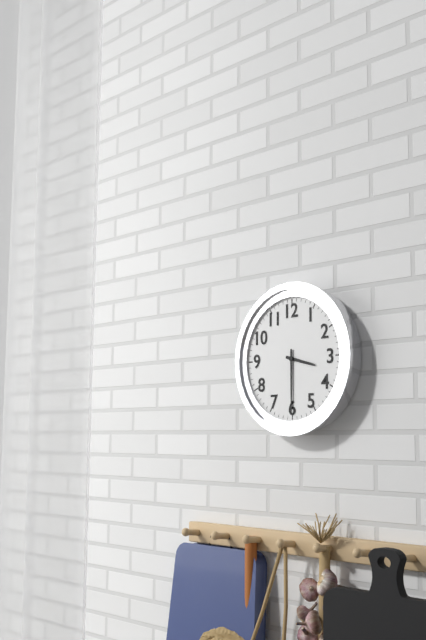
3:30
